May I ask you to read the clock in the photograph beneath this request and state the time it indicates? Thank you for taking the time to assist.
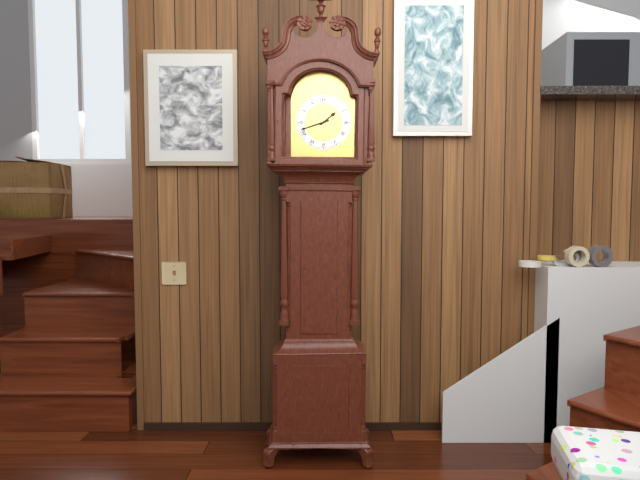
1:42
